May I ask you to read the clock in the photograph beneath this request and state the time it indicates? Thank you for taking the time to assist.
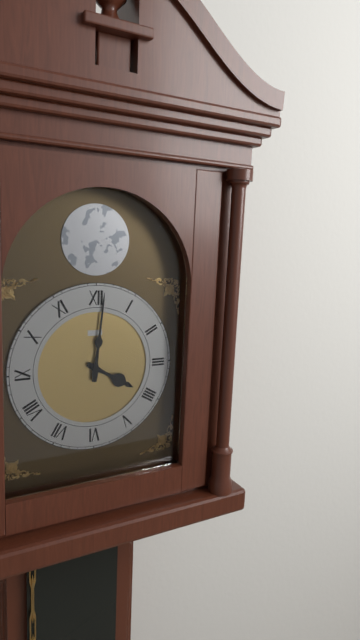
4:01
